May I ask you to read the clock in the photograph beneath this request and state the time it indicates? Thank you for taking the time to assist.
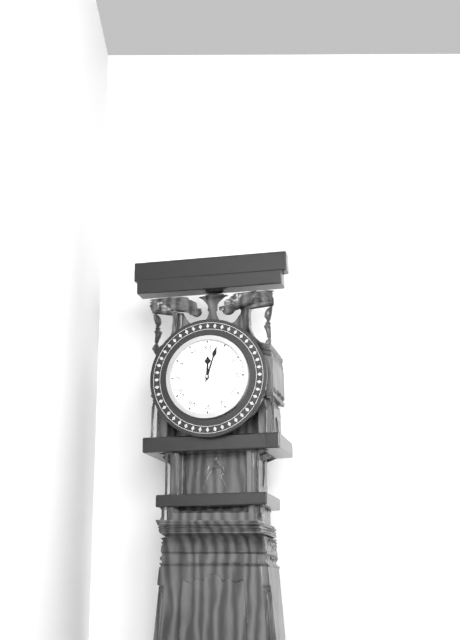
12:03
